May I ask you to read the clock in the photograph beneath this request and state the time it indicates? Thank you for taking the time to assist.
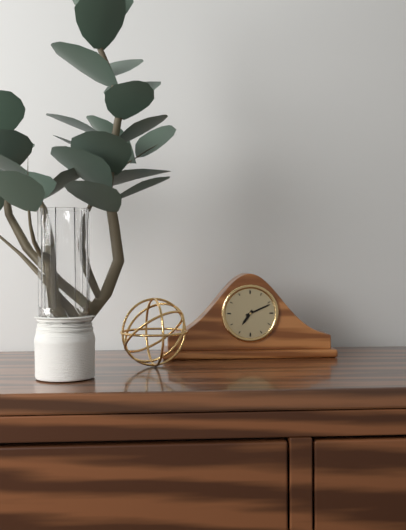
7:11
